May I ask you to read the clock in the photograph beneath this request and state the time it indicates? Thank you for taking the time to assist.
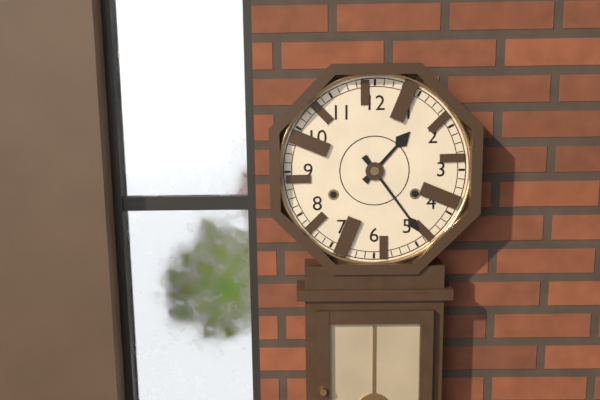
1:24
